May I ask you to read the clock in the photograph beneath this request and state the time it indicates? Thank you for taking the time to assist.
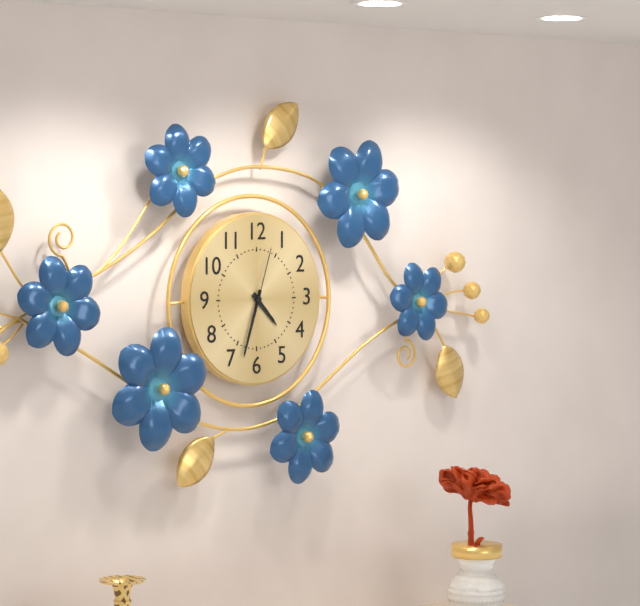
4:33:03
